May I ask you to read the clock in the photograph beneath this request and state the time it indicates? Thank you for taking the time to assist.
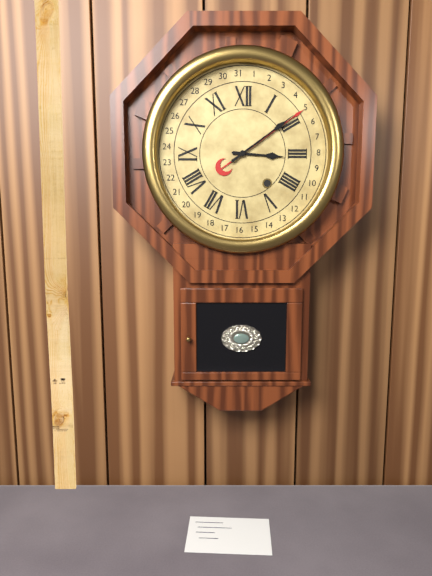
3:09
